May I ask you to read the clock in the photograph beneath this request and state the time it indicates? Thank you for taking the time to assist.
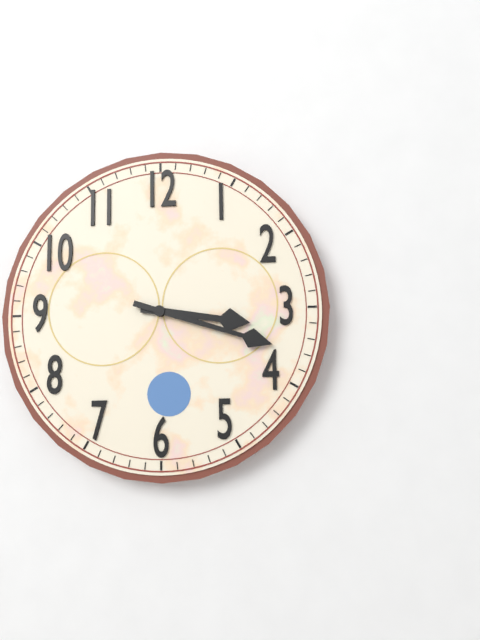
3:18
